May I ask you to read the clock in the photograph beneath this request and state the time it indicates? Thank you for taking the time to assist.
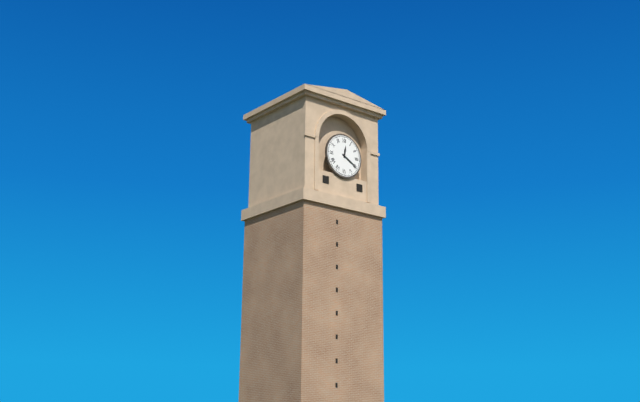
12:20
